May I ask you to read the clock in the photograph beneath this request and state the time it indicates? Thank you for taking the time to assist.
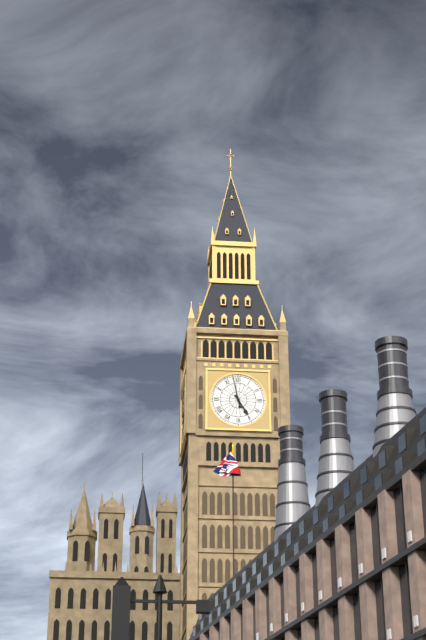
4:58
